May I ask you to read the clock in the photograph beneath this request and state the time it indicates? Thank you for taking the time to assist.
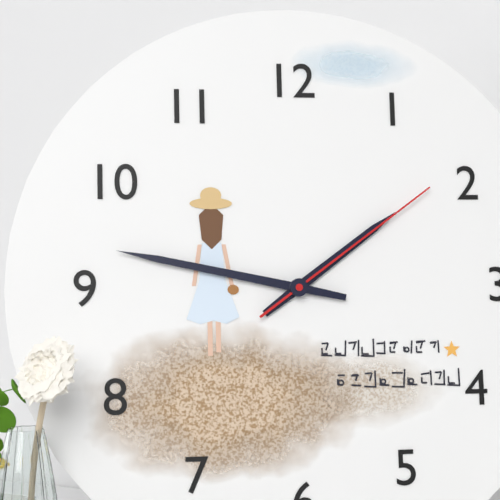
1:47:09
